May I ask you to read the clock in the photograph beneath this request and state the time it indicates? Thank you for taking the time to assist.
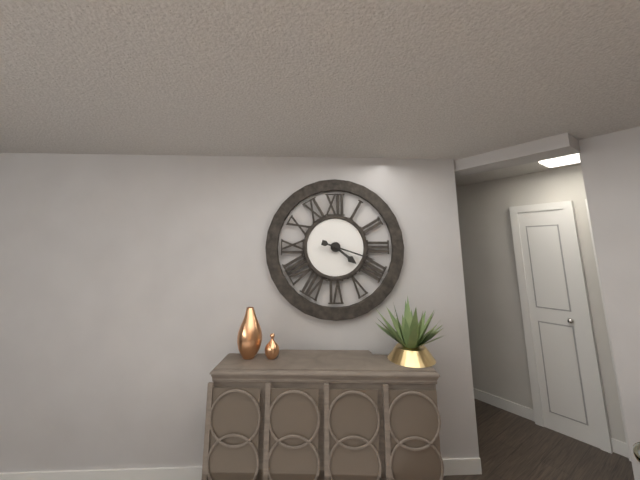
4:18
